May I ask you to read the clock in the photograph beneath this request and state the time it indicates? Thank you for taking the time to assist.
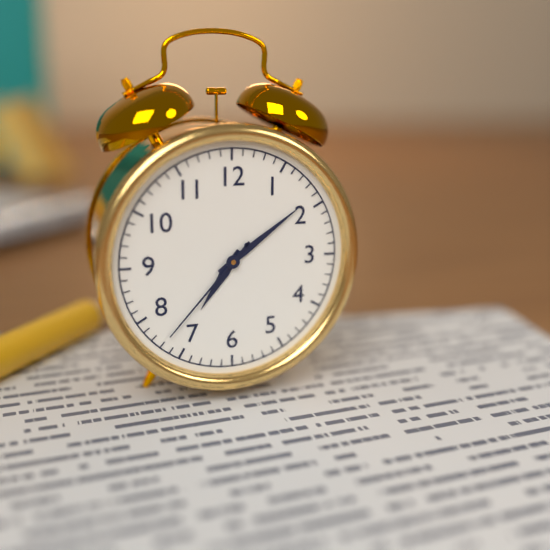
7:09:37
